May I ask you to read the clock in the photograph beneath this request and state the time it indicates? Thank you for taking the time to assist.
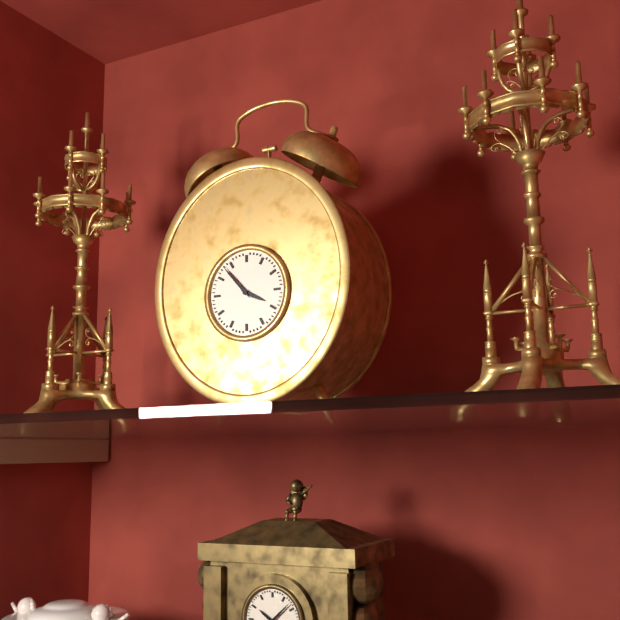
3:53
